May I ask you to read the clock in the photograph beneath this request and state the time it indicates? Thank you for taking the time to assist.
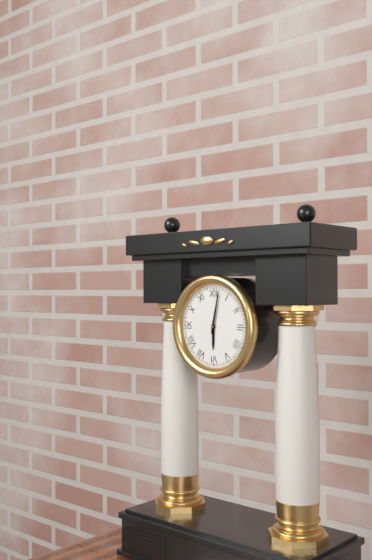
6:02
